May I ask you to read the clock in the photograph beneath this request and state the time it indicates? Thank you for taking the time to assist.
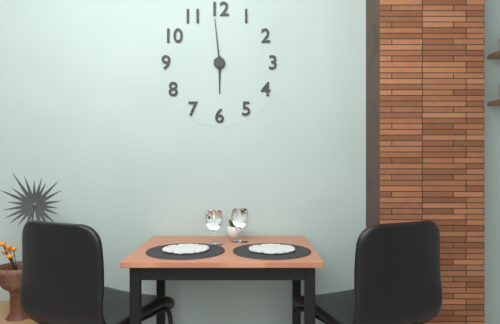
5:59
